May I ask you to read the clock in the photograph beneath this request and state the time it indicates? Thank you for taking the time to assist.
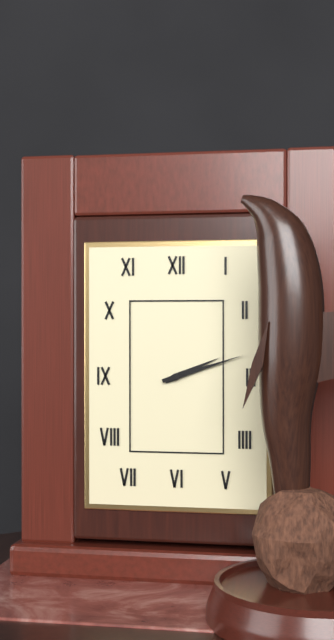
2:12
